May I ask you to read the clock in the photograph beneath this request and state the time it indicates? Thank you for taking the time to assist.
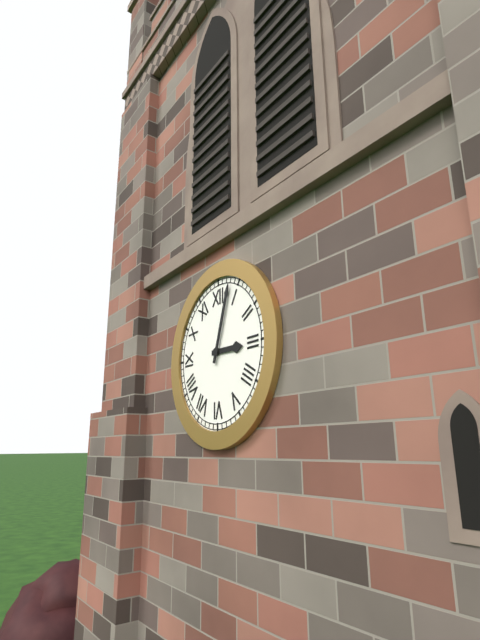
3:03
